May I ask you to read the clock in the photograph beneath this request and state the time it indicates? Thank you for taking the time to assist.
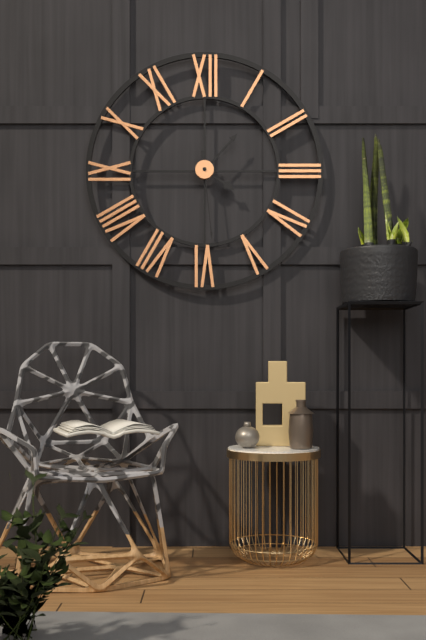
4:07:29
